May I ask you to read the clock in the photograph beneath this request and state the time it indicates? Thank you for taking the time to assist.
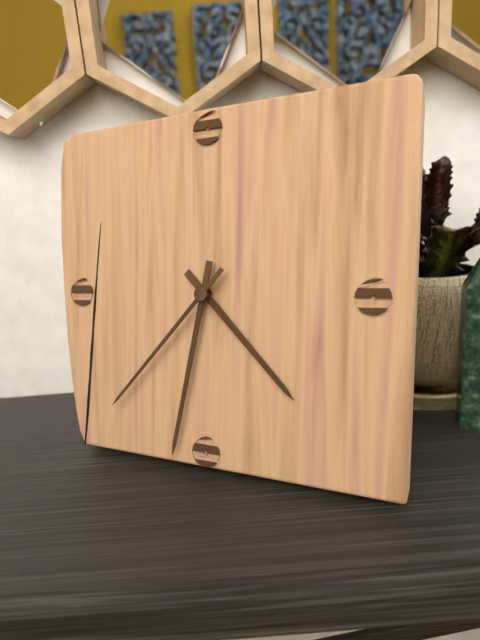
4:32:37
